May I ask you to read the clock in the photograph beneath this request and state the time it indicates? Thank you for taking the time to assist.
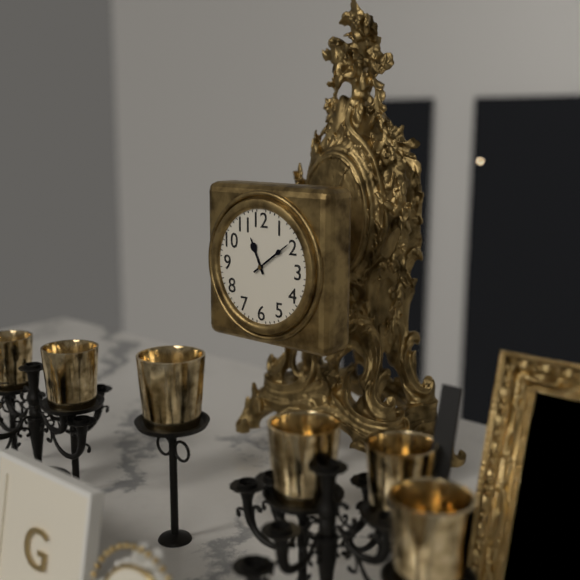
11:09
